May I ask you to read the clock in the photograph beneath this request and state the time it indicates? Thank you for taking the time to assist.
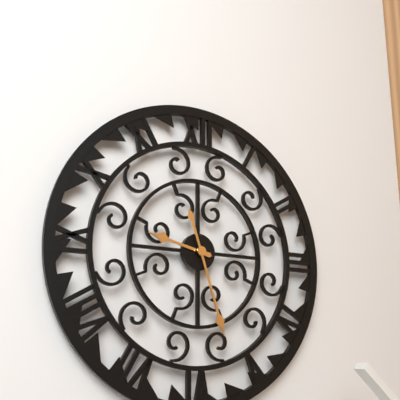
9:27
